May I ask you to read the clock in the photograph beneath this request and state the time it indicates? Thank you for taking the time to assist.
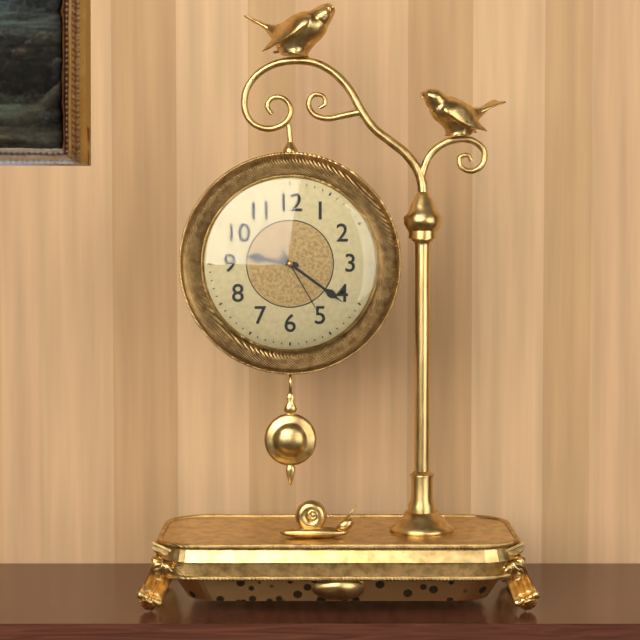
9:21:25
